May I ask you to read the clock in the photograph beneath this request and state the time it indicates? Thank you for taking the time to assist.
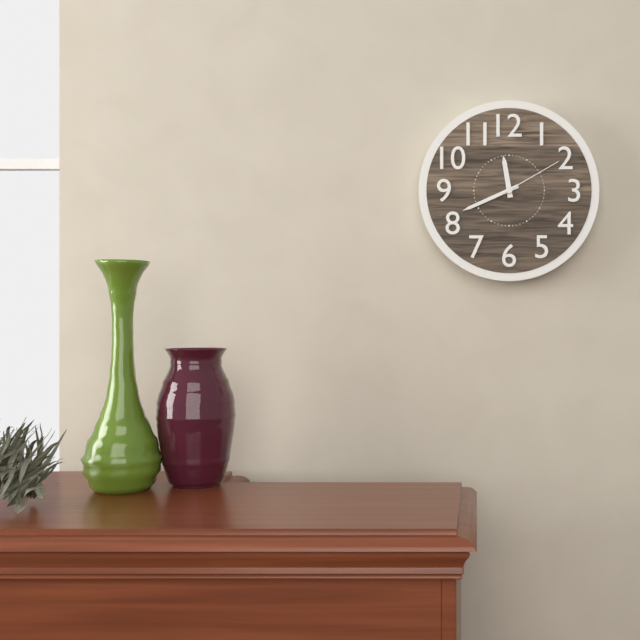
11:41:10
